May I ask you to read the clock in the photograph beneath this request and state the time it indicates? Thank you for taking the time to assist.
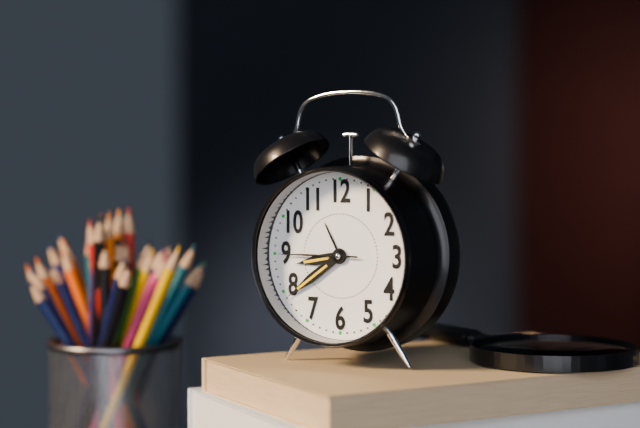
8:39:45
